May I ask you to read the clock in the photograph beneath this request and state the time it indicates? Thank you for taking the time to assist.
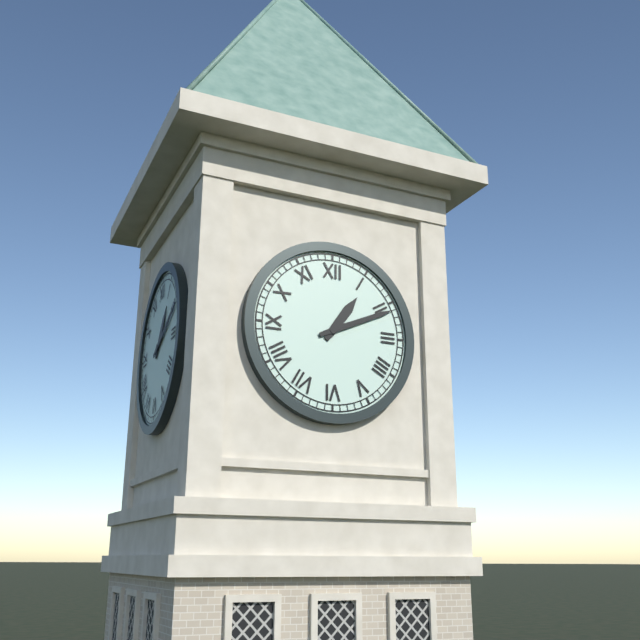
1:11
